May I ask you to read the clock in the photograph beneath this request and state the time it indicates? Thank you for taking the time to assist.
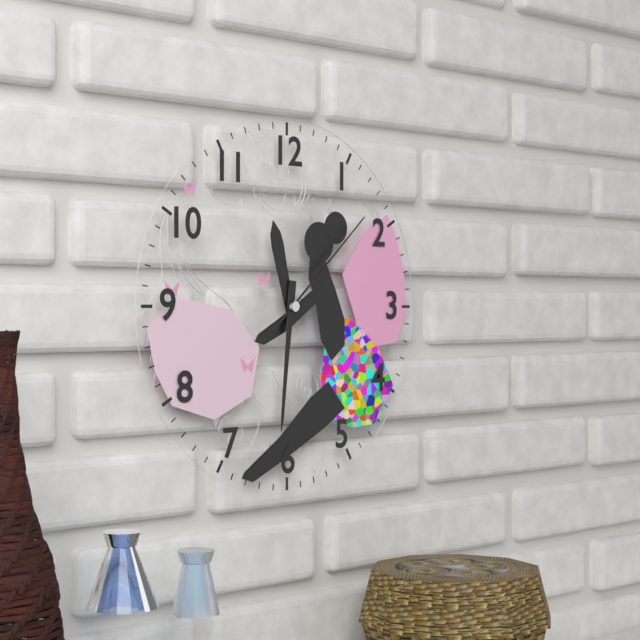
11:31:08
